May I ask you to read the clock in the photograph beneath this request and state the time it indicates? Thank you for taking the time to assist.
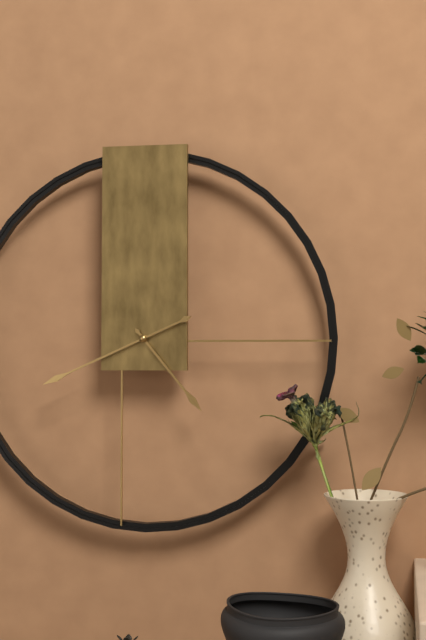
4:41
